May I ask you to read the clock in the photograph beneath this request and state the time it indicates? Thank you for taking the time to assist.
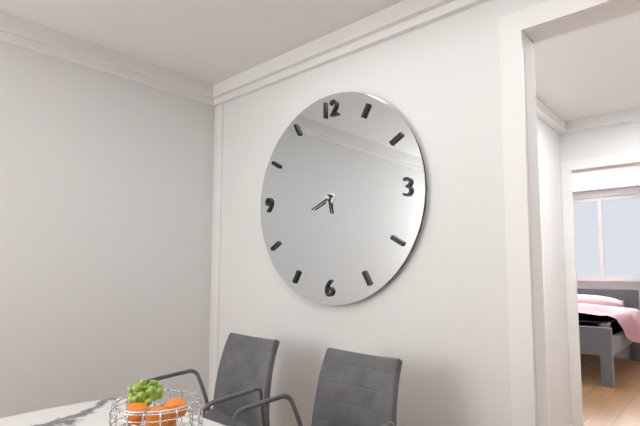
5:41
